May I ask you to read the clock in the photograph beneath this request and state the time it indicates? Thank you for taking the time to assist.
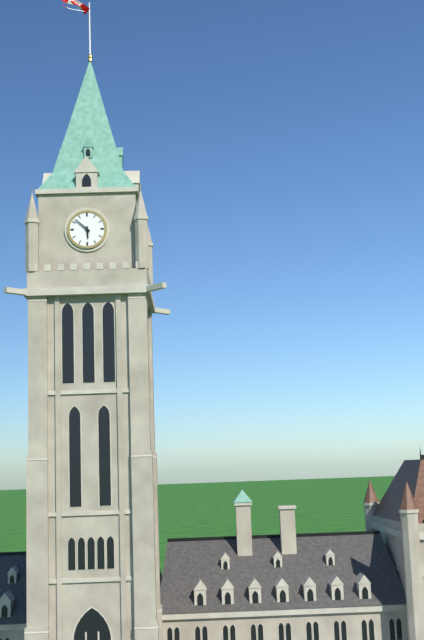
5:52
